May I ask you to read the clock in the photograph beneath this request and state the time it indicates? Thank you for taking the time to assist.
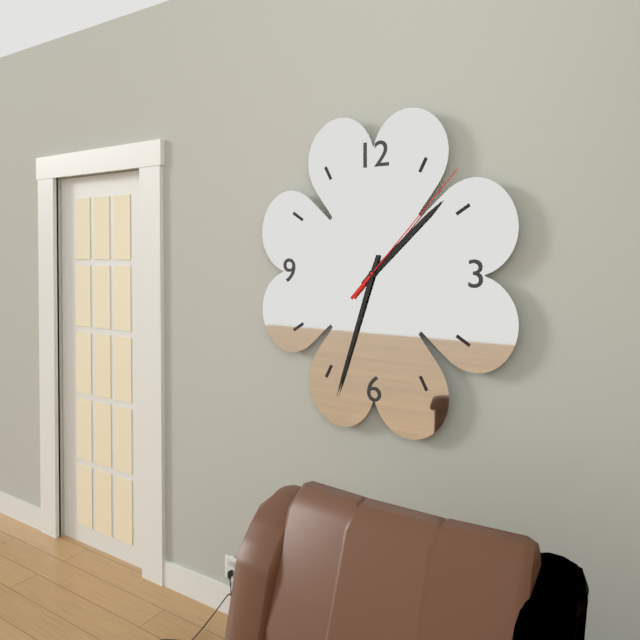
1:33:07
